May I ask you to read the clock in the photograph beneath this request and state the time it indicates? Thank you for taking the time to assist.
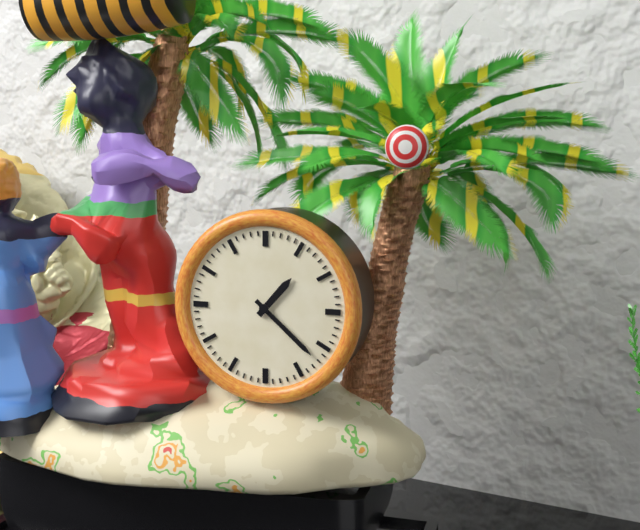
1:22
